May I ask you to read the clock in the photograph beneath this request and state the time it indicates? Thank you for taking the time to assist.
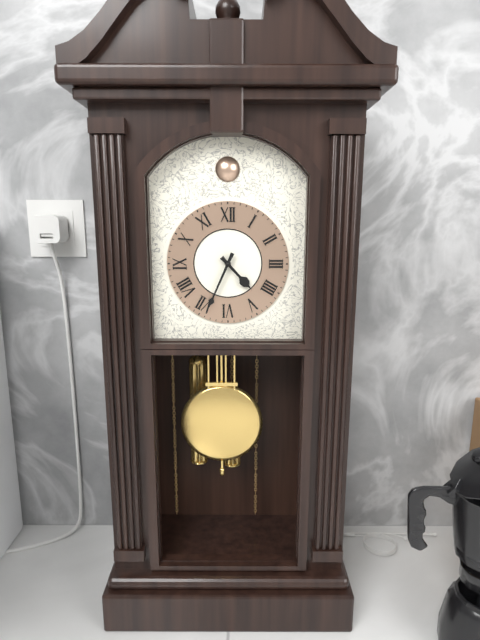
4:34
